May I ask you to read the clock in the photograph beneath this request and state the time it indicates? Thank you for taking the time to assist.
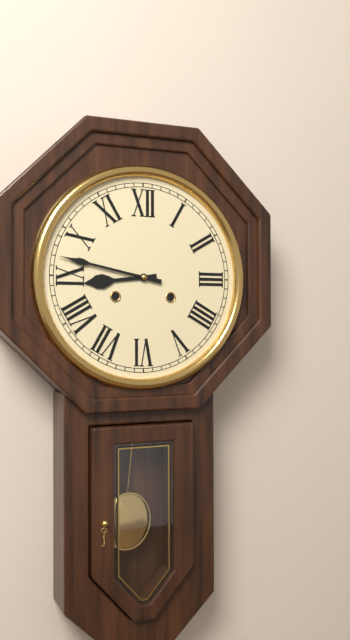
8:47
